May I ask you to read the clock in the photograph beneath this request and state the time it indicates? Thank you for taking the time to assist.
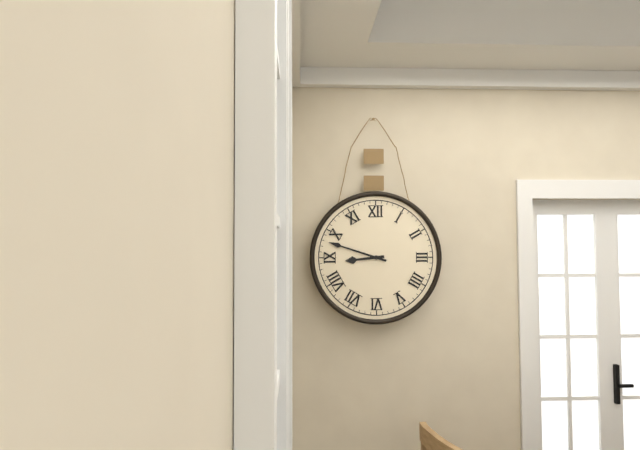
8:48
